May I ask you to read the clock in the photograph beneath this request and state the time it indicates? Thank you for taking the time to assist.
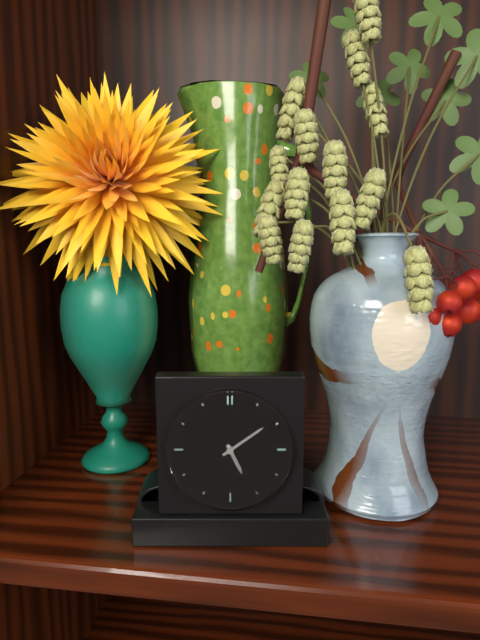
5:09
